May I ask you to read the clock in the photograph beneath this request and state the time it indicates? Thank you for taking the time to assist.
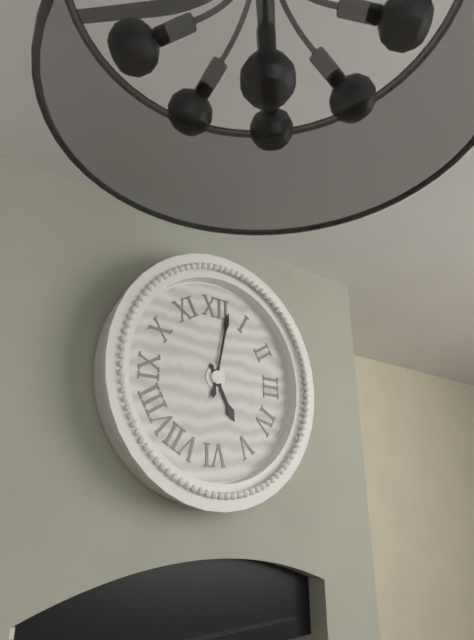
5:02
